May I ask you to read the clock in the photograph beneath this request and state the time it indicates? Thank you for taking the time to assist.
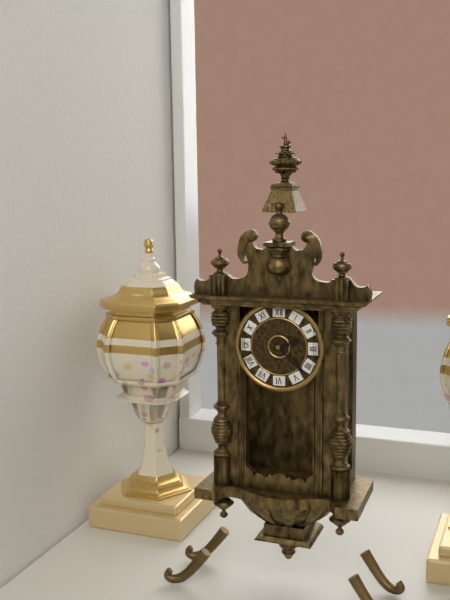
2:22
